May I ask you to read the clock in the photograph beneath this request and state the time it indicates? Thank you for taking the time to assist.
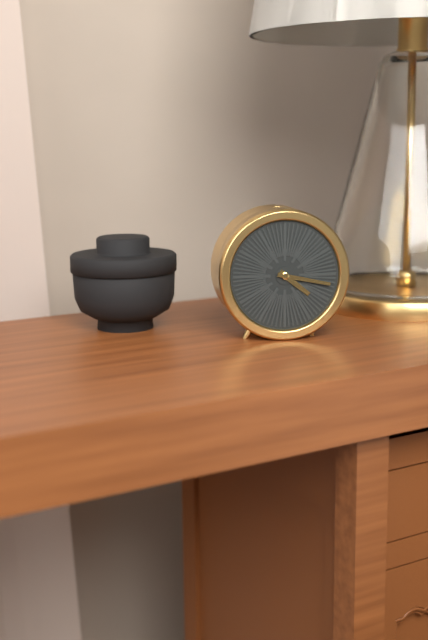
4:17
